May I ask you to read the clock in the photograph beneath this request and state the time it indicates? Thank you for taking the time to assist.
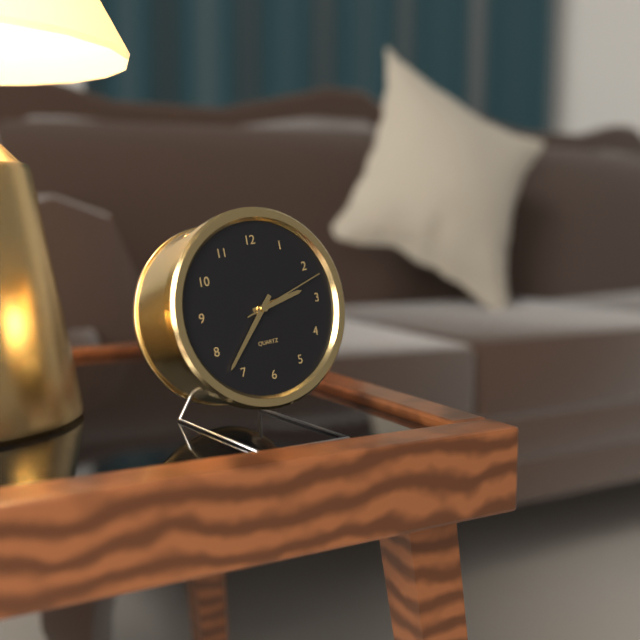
2:37:12
